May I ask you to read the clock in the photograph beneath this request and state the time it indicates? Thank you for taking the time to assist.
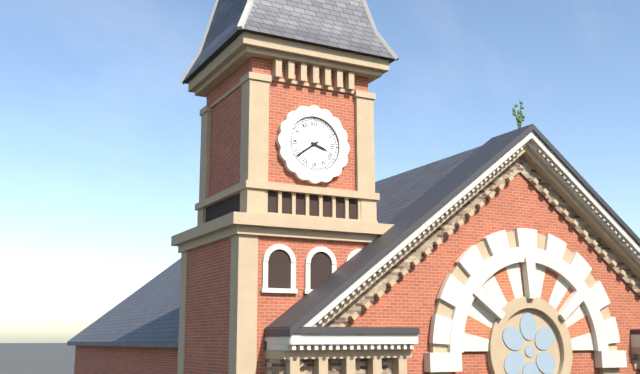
3:39
